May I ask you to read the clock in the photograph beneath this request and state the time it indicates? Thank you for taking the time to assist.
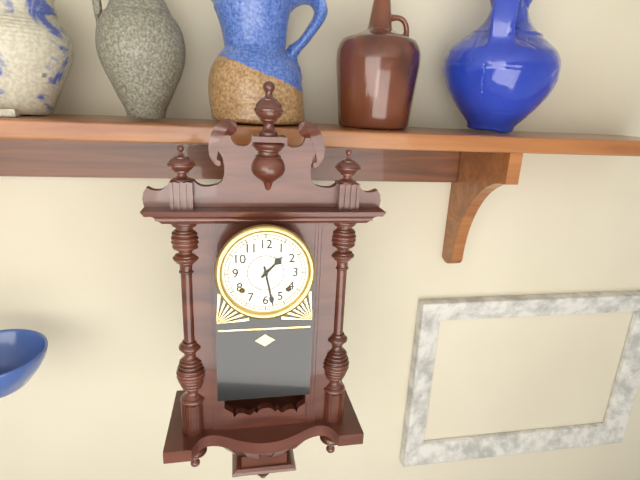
1:28
